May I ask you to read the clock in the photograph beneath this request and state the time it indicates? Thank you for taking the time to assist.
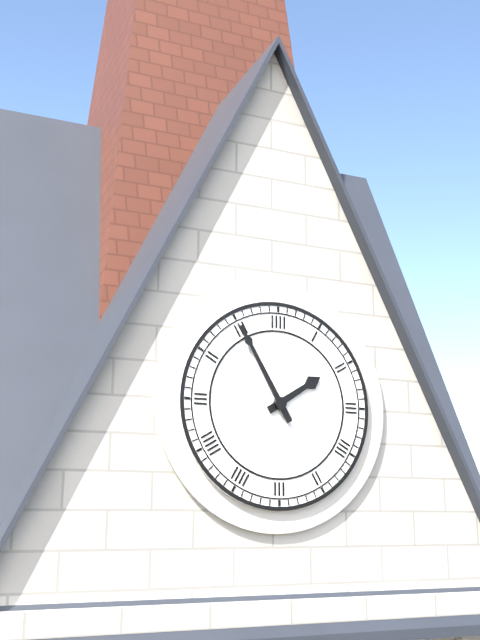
1:55
